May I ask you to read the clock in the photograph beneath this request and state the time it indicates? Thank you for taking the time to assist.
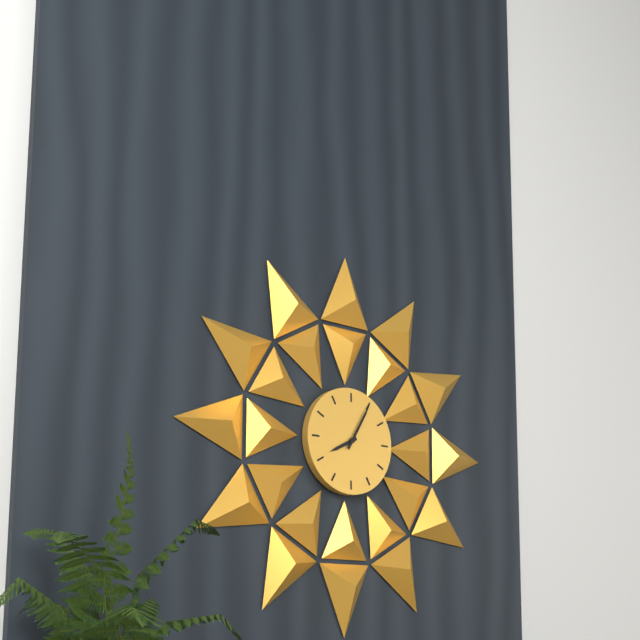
8:05
